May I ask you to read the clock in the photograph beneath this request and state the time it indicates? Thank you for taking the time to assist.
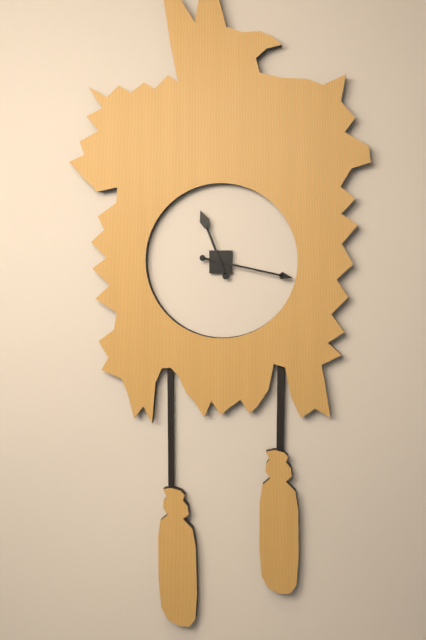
11:17
